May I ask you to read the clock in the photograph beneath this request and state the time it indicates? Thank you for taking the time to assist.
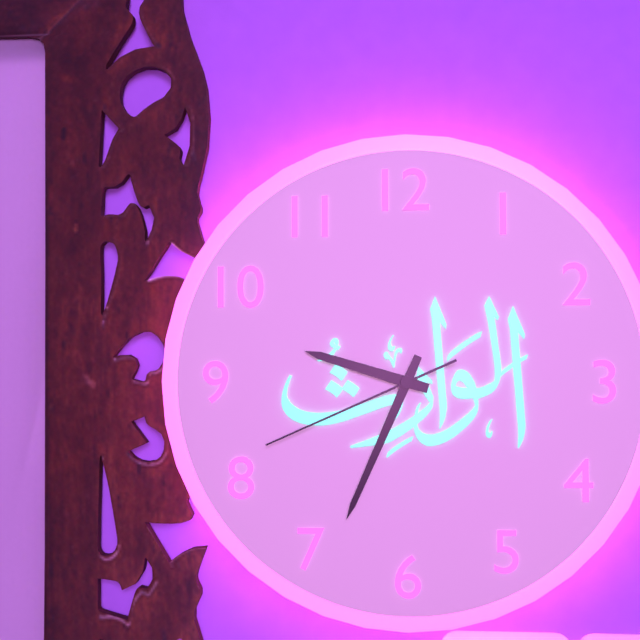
9:34:41
